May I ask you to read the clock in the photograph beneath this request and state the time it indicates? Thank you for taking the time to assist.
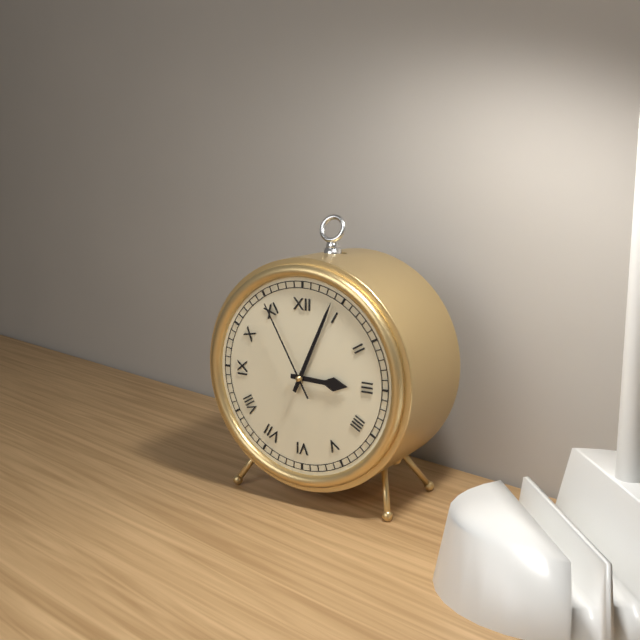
3:04:55
